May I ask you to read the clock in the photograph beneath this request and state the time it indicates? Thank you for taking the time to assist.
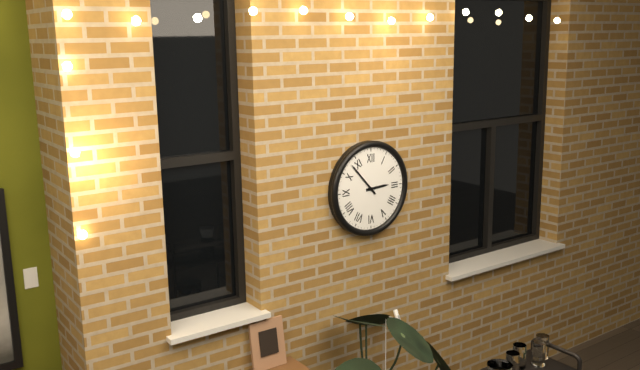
2:53
